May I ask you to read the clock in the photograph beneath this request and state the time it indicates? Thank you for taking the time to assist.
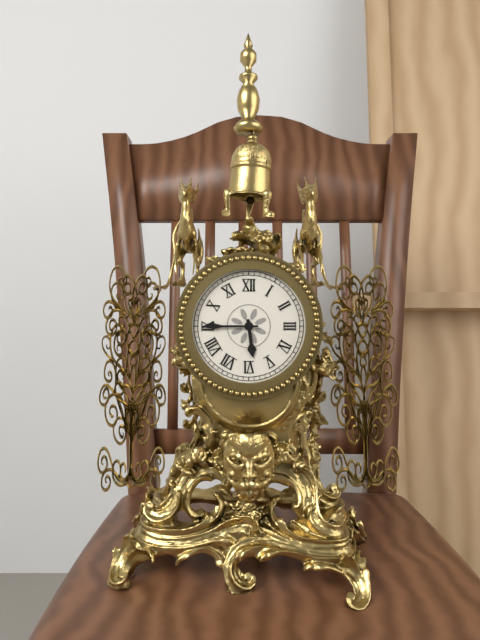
5:45
